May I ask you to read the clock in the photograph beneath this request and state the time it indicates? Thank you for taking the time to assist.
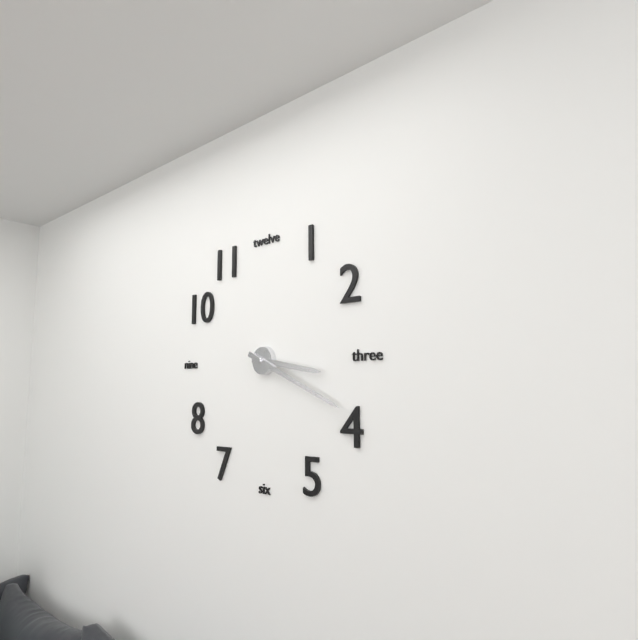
3:19
